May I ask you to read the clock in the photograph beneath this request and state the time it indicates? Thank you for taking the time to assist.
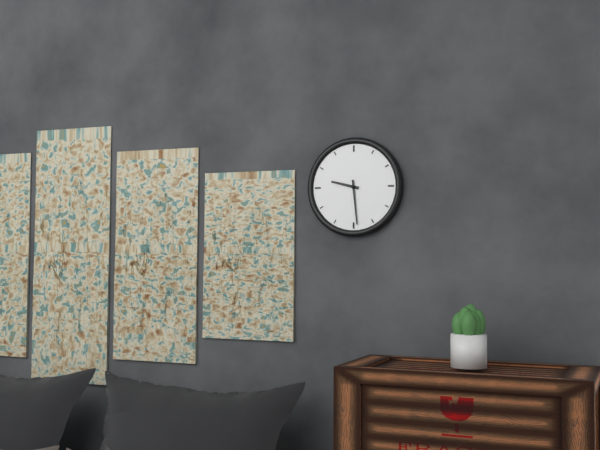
9:29
